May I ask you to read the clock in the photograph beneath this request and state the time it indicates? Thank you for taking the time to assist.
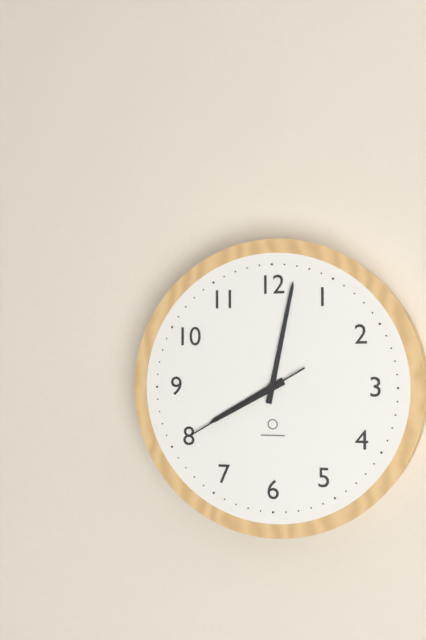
8:02:40
